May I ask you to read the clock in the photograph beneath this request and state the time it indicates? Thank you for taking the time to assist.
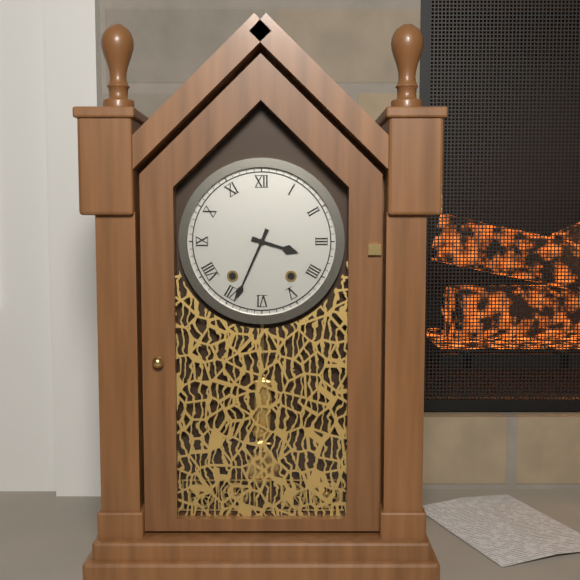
3:34
